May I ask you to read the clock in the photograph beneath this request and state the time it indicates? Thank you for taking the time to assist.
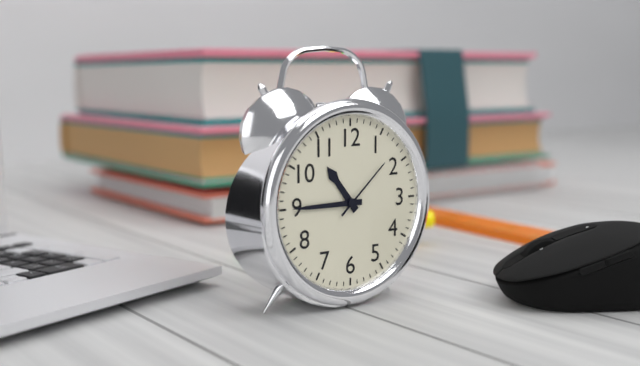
10:45:08
